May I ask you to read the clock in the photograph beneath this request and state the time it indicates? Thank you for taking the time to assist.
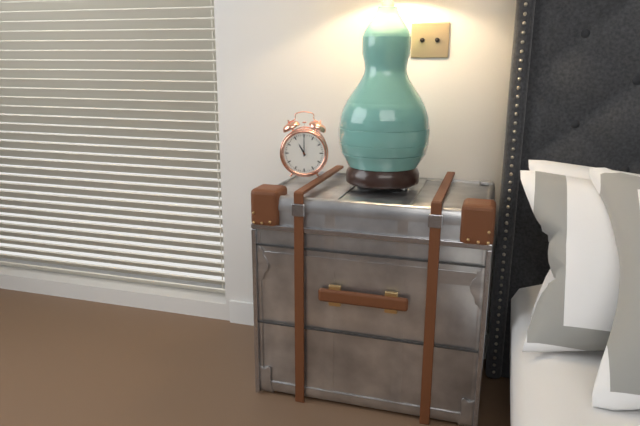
11:00
